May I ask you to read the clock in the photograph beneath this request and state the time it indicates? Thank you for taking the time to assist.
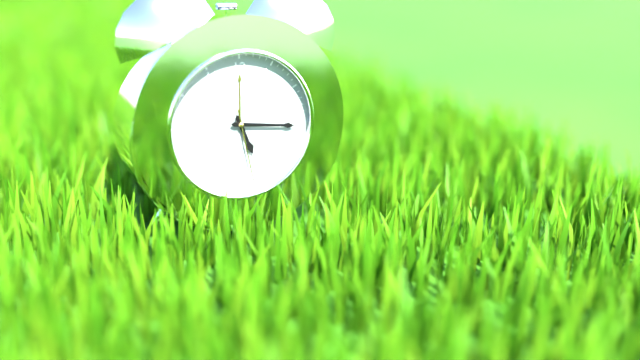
5:16:28
